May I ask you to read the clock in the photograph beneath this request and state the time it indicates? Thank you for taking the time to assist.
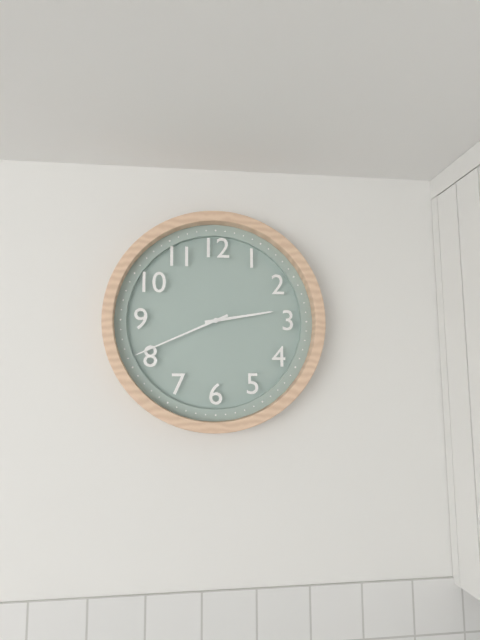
2:41
